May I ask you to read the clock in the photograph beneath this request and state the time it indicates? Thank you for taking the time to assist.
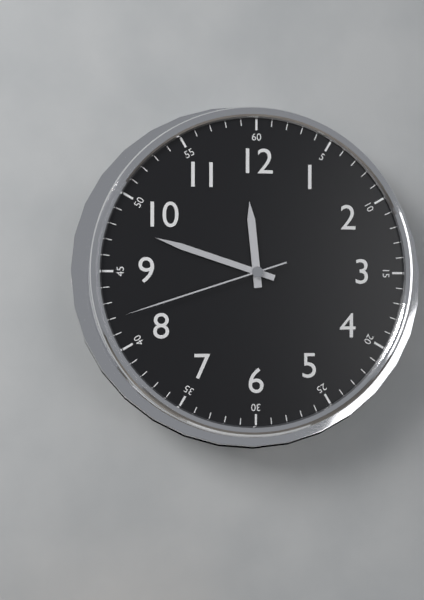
11:48:42
